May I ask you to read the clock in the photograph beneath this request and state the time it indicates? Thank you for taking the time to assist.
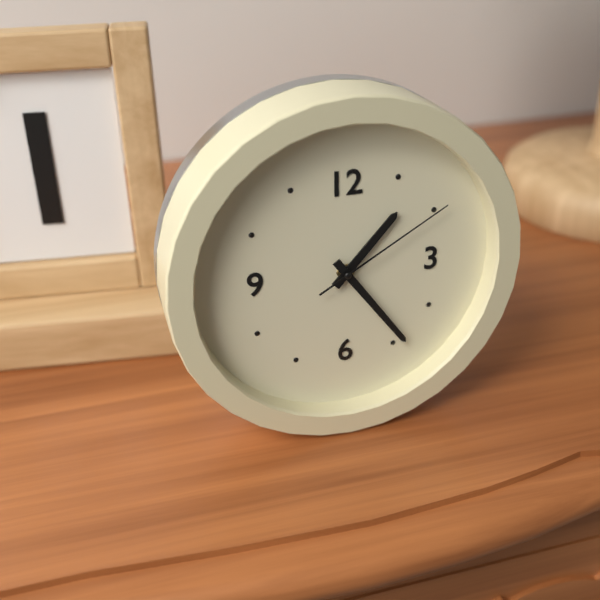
1:24:10
